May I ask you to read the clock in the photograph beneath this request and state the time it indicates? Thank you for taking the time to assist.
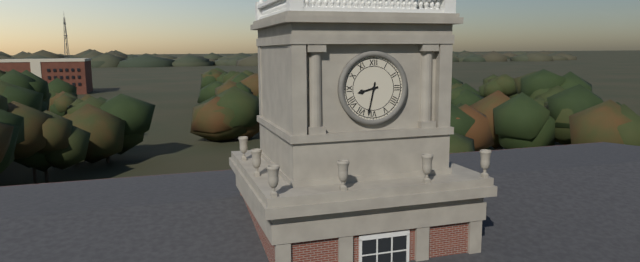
8:32
